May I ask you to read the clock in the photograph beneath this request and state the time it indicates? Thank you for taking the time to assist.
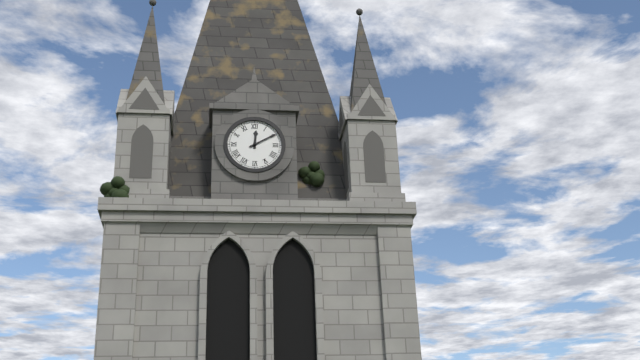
12:10
